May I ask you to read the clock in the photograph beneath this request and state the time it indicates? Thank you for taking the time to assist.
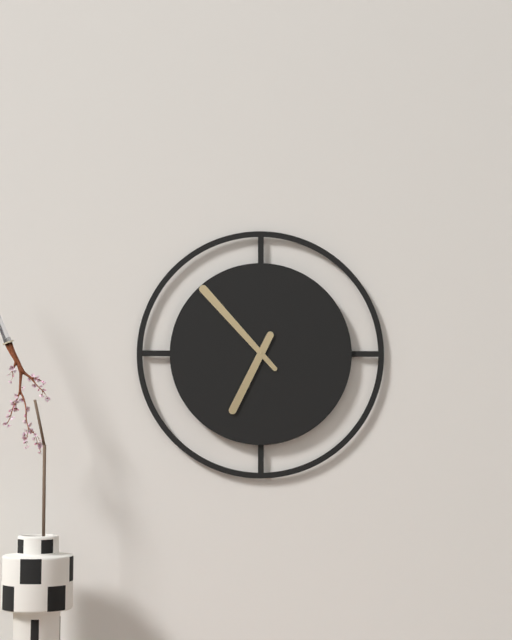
6:53
